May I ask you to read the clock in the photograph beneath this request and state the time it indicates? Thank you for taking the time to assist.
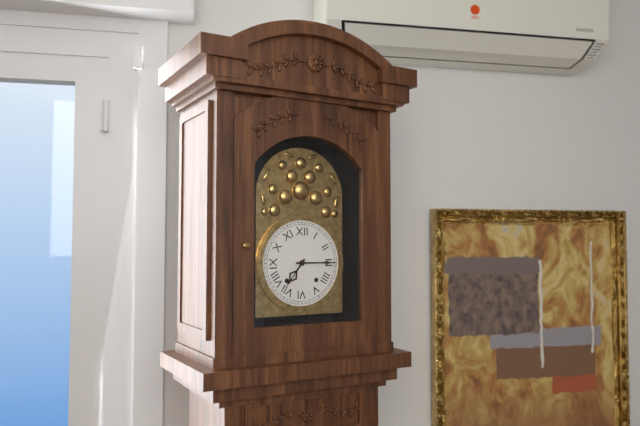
7:15
